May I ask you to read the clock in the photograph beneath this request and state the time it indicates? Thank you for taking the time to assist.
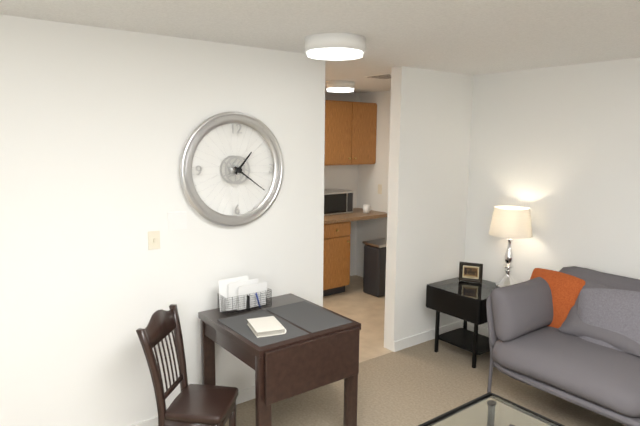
1:21
